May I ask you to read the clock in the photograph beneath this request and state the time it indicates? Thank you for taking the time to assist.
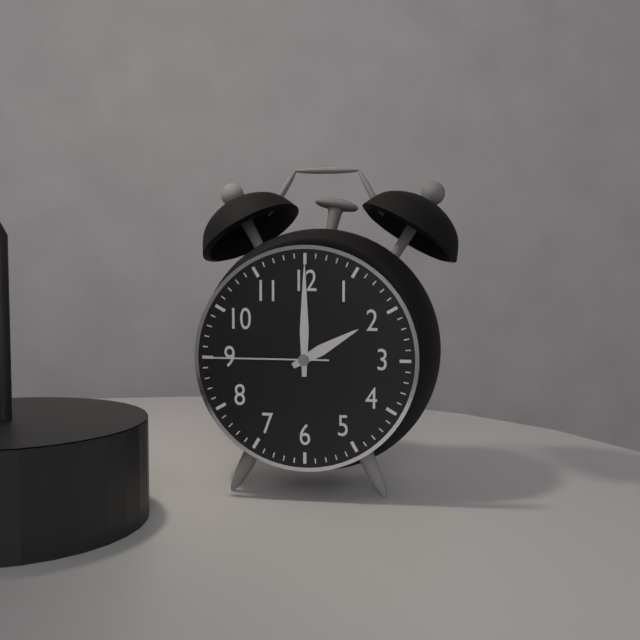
2:00:45
